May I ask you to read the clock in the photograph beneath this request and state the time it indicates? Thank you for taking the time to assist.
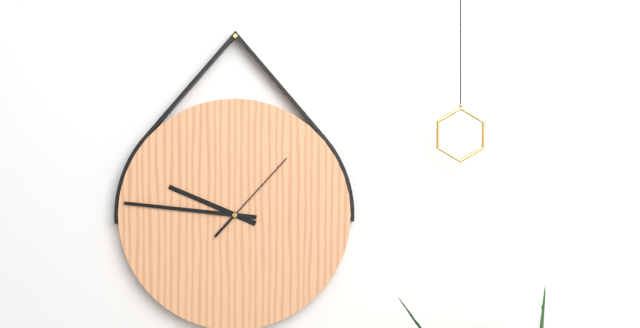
9:46:07
